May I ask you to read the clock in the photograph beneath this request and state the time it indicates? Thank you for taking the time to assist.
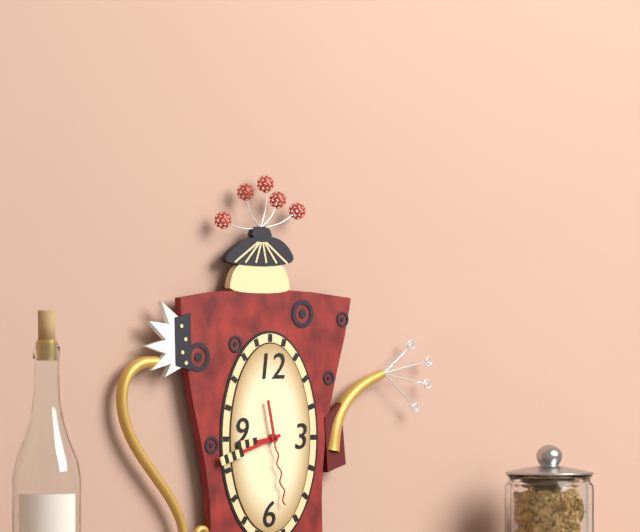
8:42:28
